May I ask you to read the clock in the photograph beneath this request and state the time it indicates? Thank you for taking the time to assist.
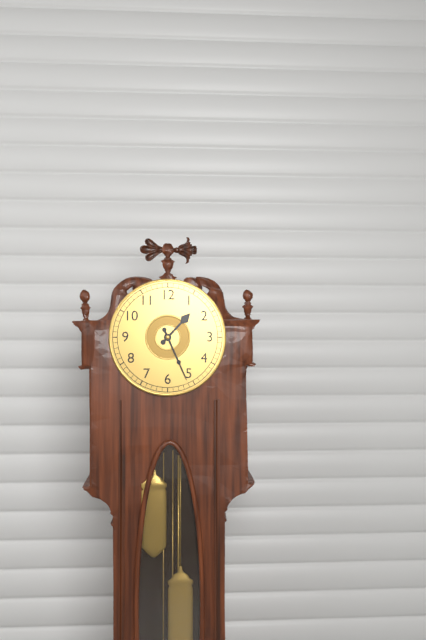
1:26
